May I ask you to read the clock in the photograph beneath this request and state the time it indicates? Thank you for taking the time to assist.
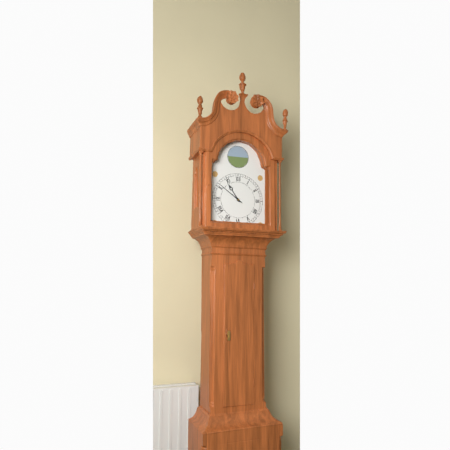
10:51
